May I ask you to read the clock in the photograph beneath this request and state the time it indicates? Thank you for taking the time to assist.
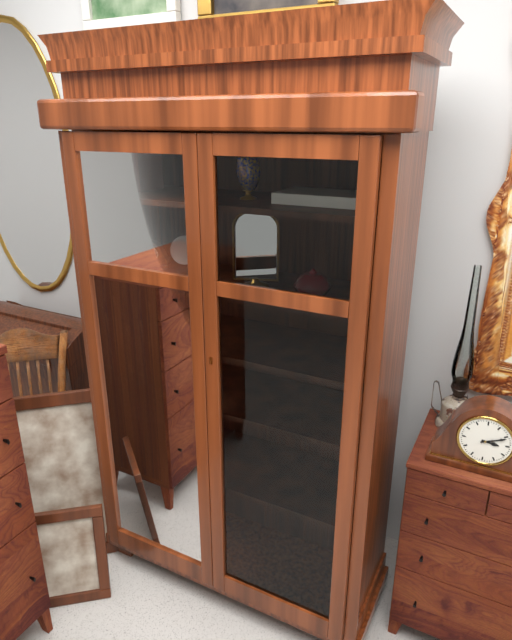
3:11
